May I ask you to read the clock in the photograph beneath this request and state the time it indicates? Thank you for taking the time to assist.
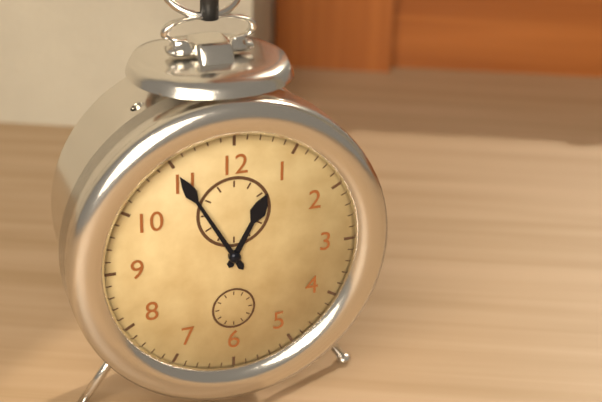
12:55
